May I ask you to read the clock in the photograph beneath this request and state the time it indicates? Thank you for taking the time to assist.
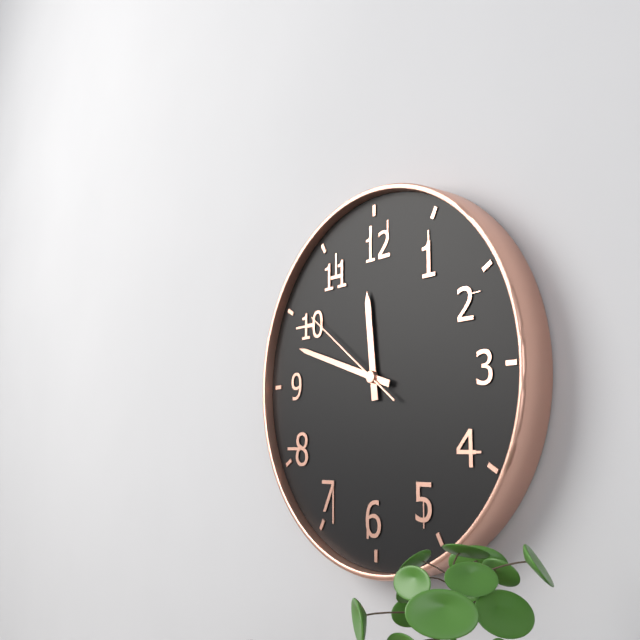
11:48:51
